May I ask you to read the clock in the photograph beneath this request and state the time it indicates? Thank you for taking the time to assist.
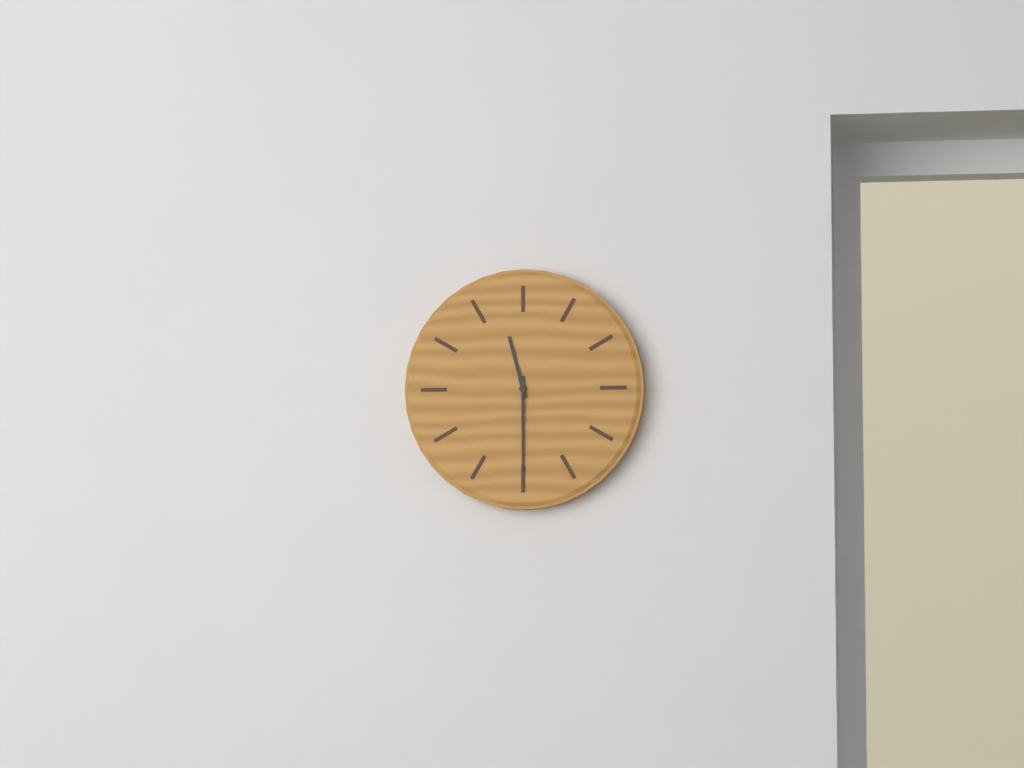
11:30
